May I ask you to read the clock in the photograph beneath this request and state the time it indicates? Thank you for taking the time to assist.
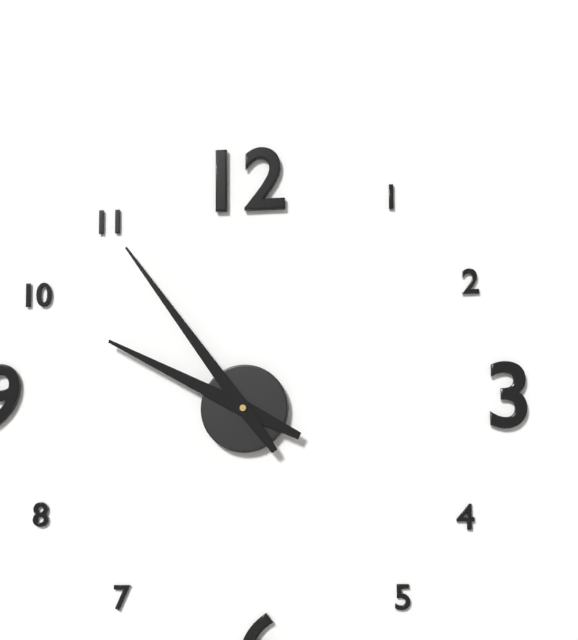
9:54
